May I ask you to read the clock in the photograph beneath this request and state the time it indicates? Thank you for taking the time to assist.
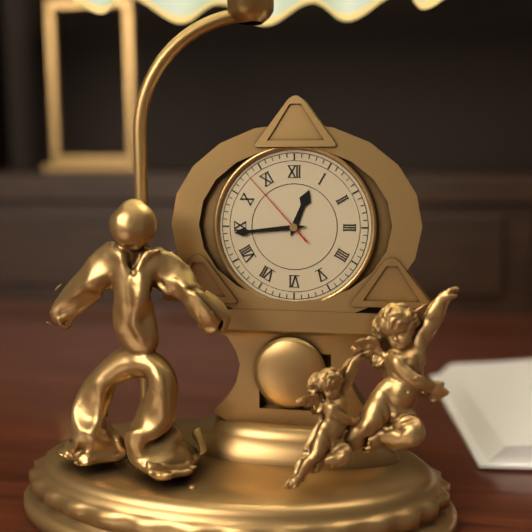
12:44:53
